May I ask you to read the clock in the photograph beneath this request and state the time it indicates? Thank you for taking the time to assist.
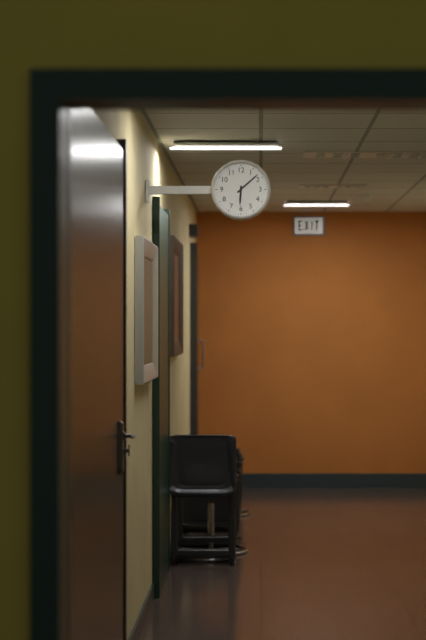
6:08
